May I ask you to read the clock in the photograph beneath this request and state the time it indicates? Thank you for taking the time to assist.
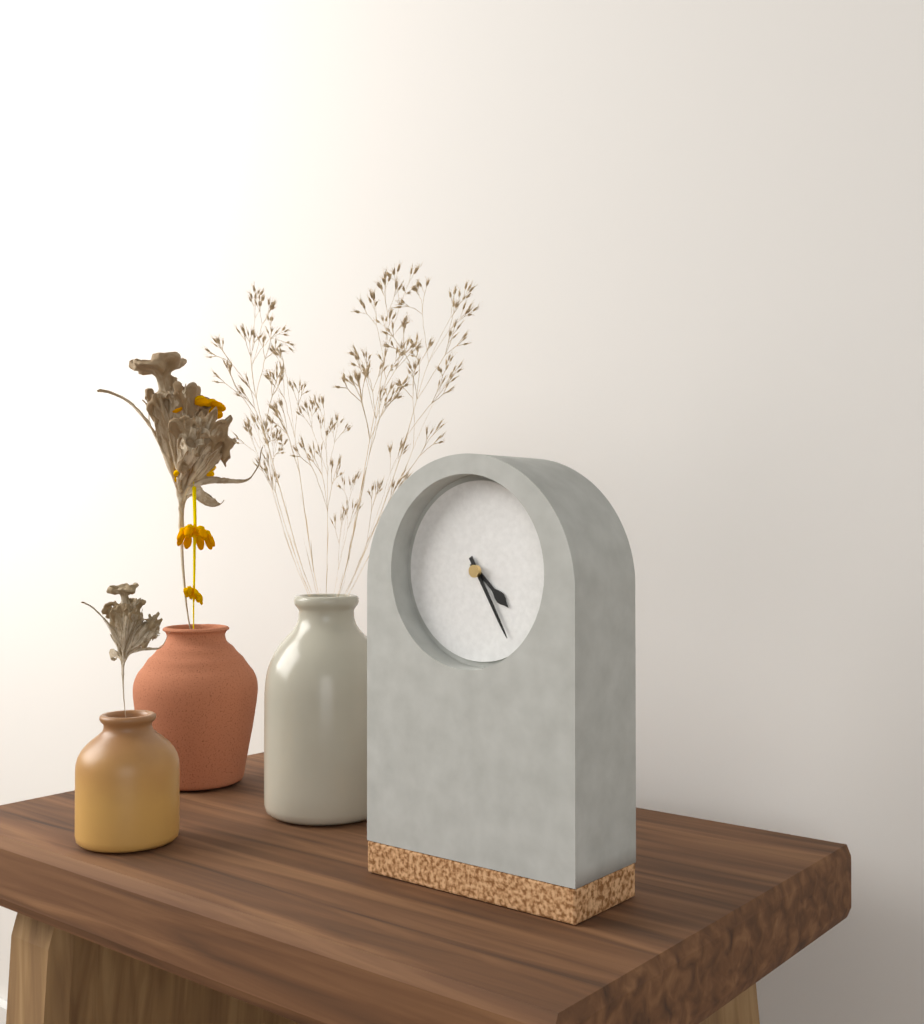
4:25
